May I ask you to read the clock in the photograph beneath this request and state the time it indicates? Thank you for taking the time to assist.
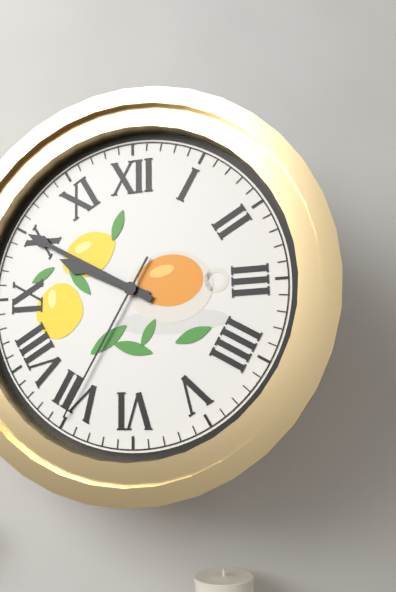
9:50:35
